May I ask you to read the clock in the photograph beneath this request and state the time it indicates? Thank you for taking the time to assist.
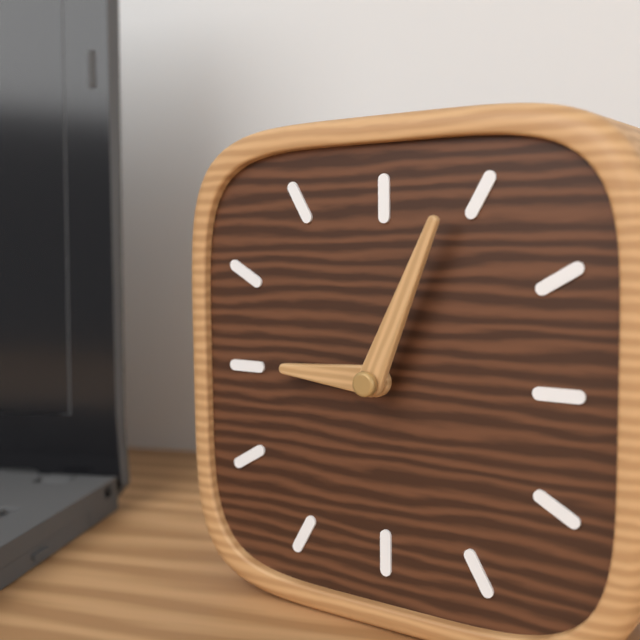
9:04
